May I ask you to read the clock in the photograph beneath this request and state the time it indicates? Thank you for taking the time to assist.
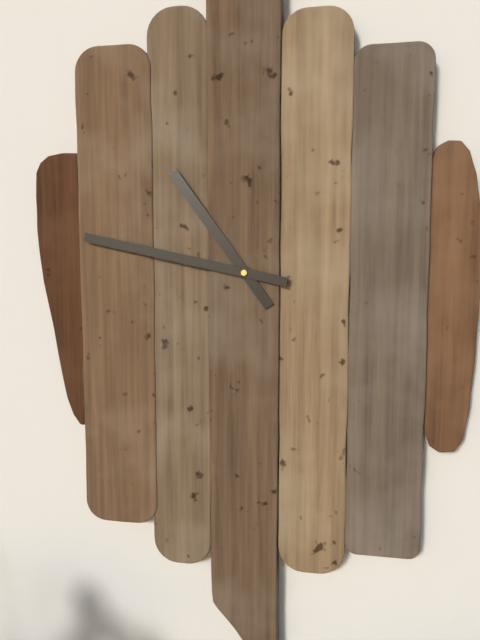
10:47
